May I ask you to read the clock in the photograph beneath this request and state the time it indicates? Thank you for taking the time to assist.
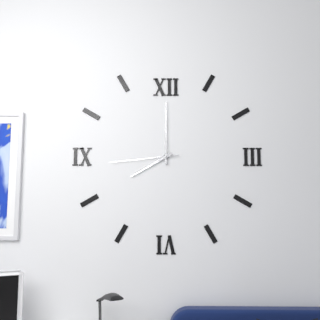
8:00:44
